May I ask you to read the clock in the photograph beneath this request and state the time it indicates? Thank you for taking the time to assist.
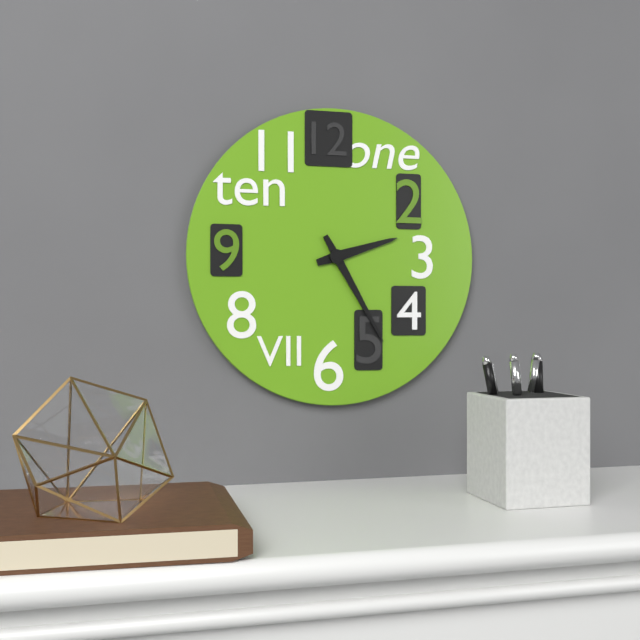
2:25
